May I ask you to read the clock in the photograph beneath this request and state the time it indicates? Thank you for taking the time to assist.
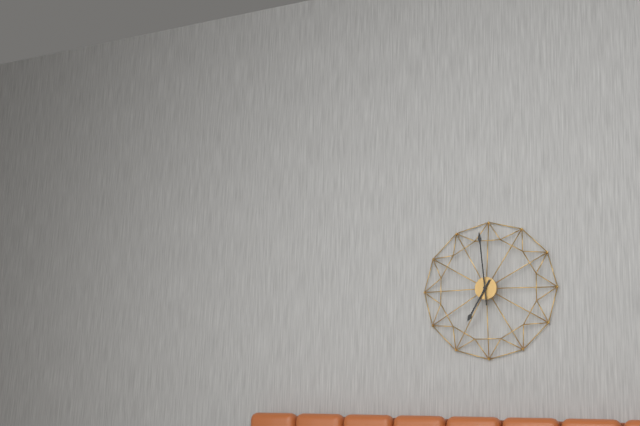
6:59
